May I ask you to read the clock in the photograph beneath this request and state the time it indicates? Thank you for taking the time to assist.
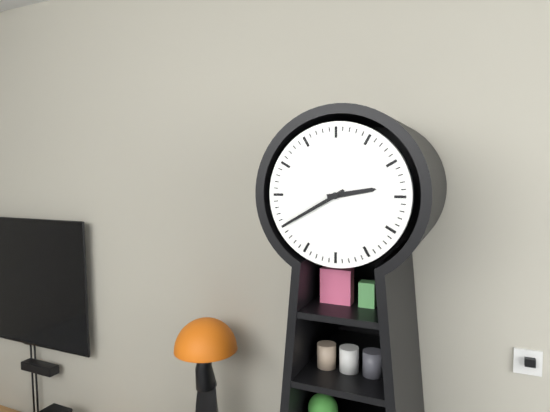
2:40
